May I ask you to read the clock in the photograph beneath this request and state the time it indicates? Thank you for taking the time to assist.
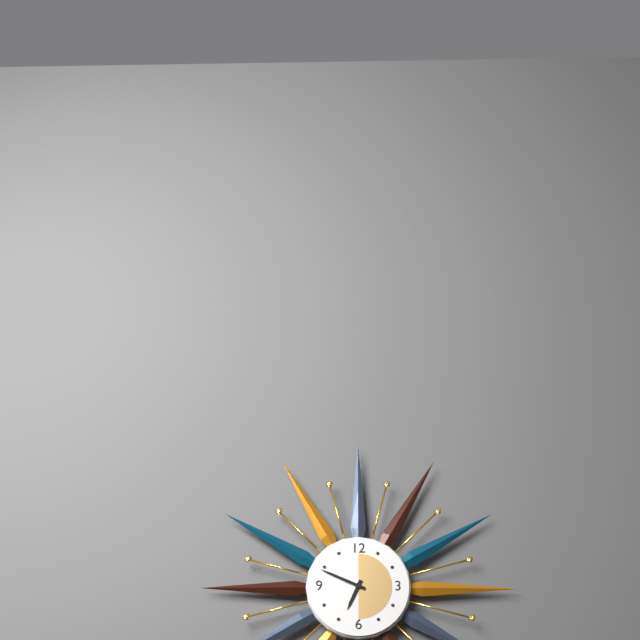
6:49
